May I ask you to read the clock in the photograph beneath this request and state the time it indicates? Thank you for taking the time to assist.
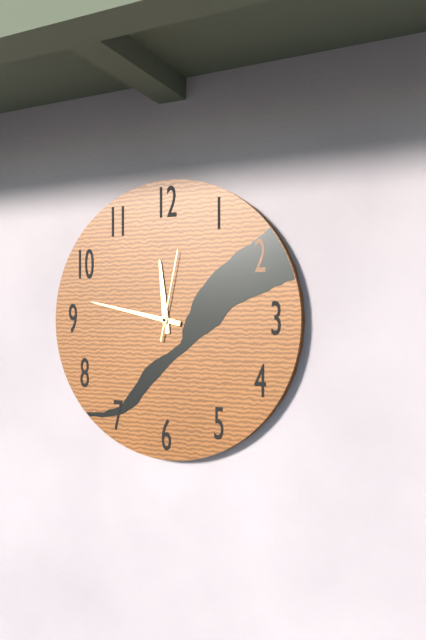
11:47:02
